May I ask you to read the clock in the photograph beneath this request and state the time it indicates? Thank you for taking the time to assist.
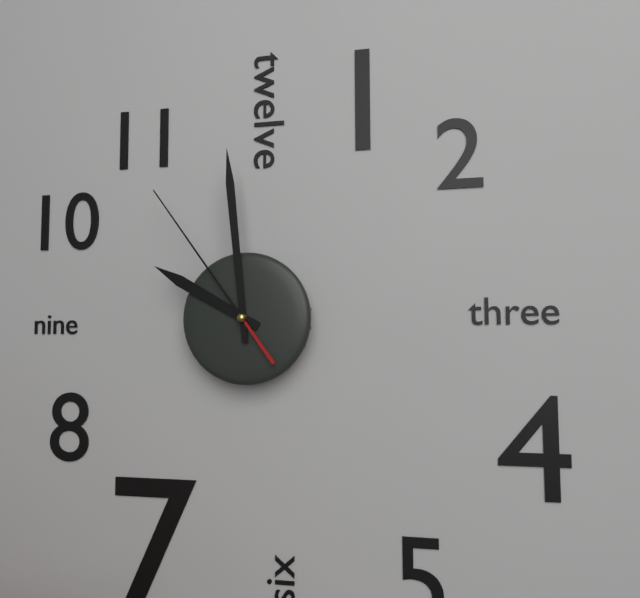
9:59:54
